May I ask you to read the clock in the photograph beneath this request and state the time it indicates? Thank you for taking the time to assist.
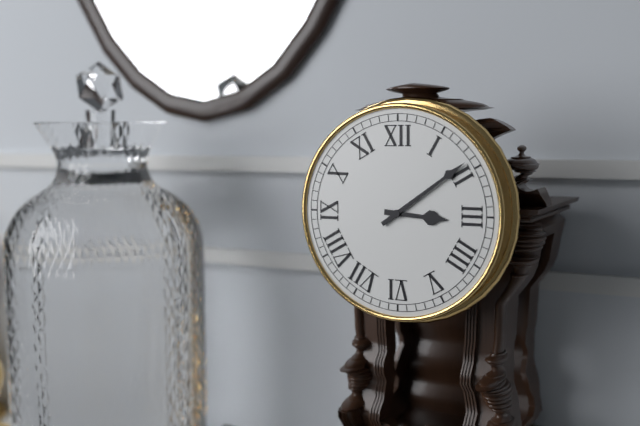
3:09
